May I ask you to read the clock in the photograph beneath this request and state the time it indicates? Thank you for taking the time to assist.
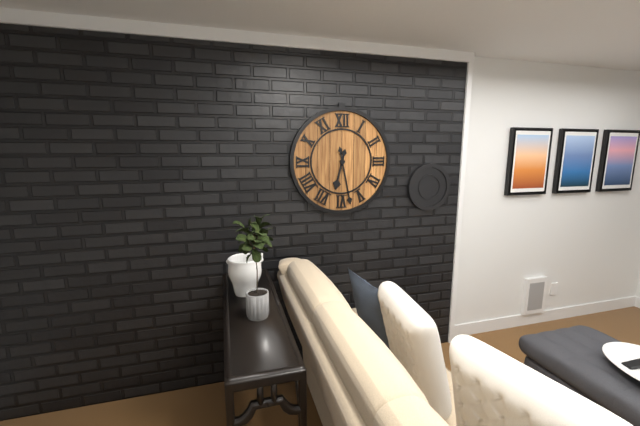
6:28
